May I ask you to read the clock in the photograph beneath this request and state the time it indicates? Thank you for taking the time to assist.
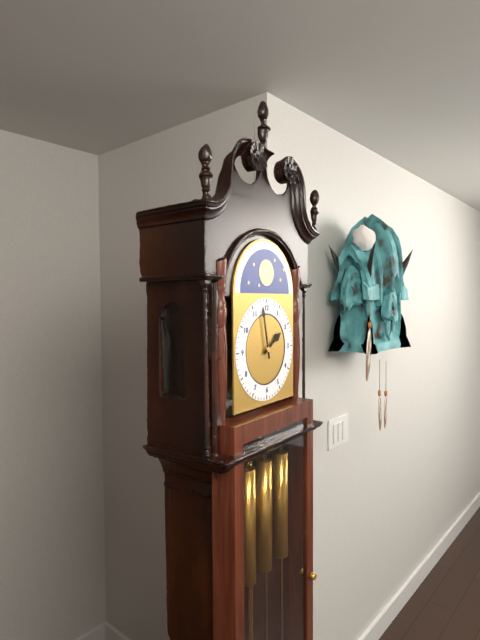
1:58
